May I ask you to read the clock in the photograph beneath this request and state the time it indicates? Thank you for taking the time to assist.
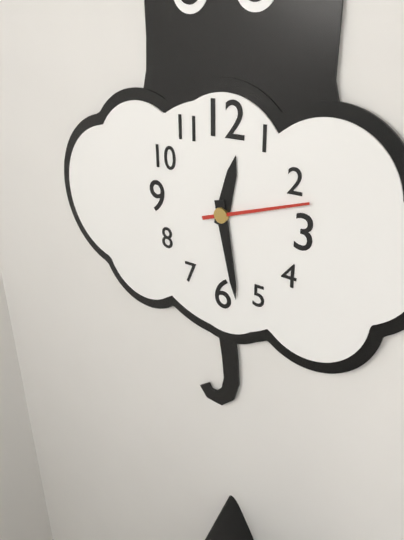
12:28:12
